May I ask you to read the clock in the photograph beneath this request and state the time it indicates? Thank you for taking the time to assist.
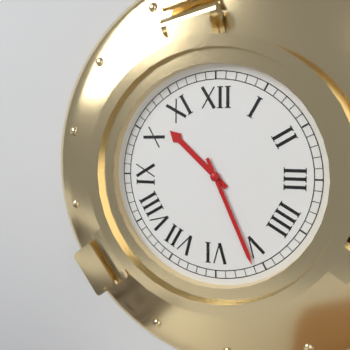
10:26
